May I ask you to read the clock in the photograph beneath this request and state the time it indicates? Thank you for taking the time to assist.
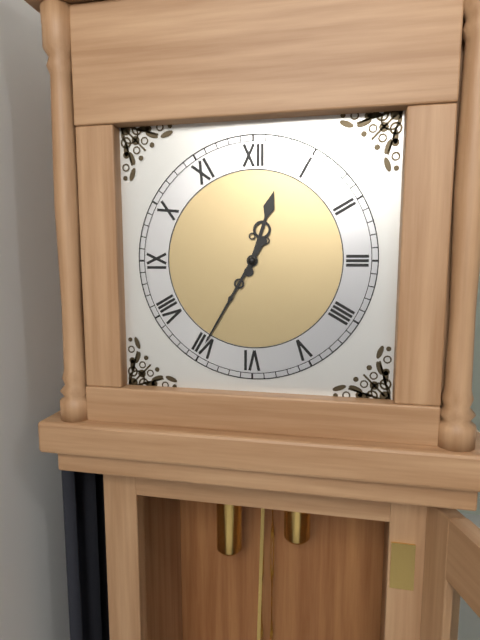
12:35
